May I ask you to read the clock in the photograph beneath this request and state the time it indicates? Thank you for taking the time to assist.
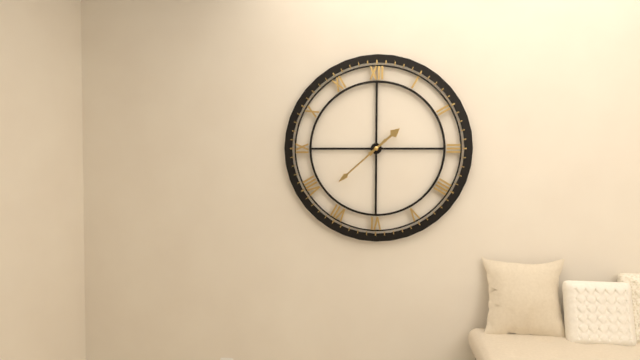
1:38
